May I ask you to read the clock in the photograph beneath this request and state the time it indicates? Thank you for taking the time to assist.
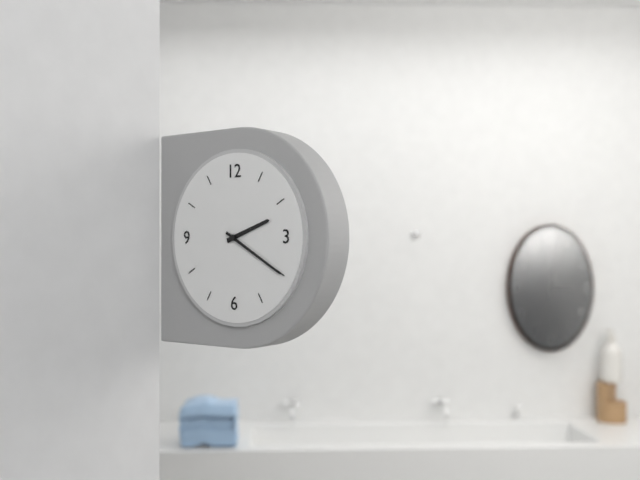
2:20
